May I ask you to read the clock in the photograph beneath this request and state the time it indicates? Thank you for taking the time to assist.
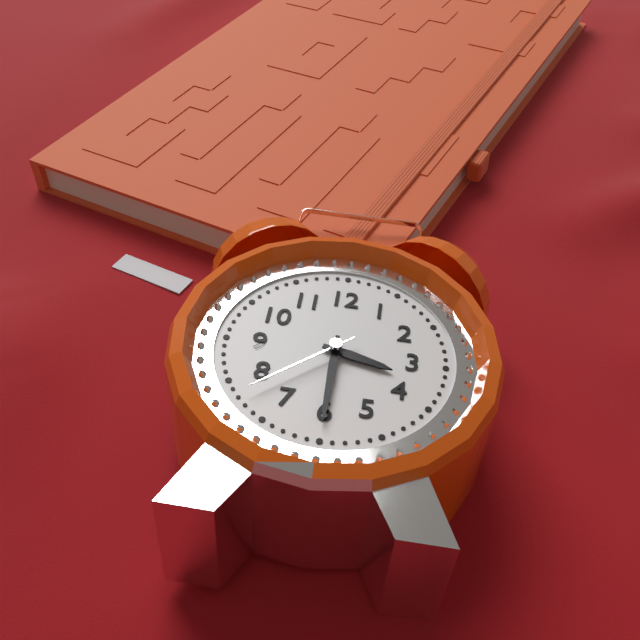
3:30:38
